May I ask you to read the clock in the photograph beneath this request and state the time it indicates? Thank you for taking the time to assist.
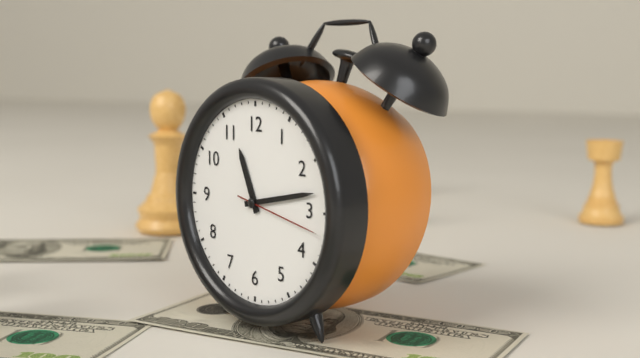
11:13:17
